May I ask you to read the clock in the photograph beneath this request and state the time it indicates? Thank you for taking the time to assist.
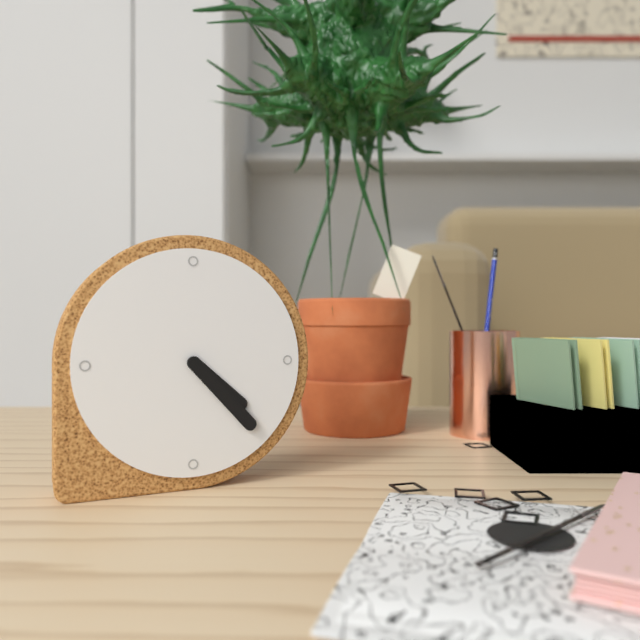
4:23
